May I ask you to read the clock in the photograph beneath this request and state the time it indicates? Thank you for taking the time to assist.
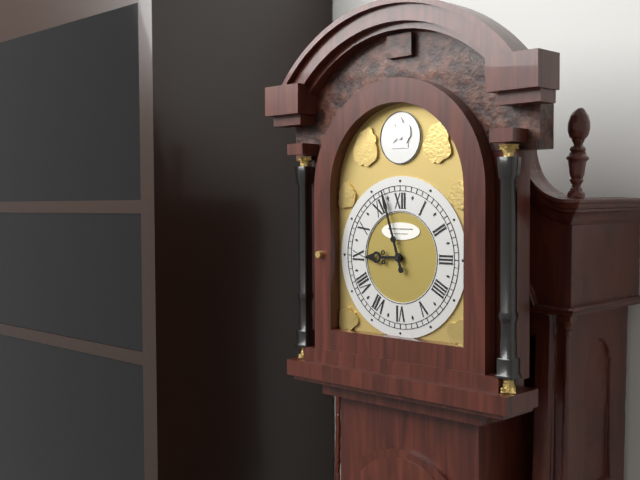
8:57
